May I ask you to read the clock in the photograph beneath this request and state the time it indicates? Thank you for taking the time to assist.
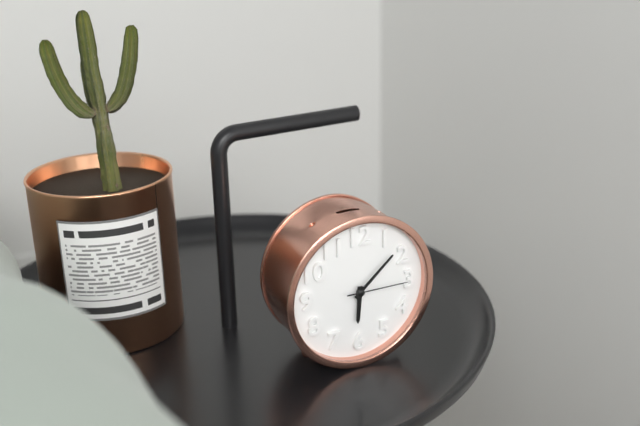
6:08:15
